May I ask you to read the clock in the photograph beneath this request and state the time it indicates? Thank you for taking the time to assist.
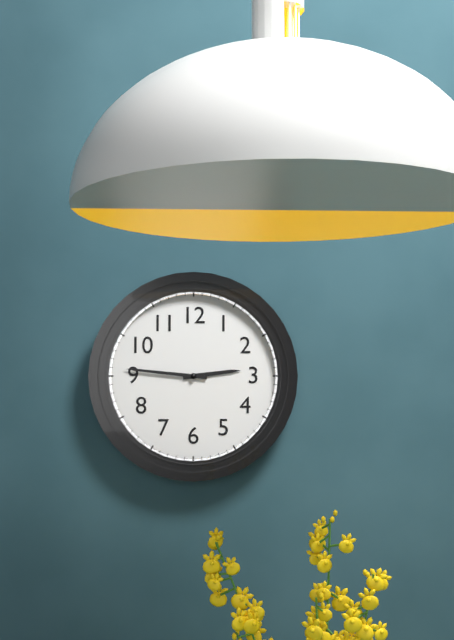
2:46
